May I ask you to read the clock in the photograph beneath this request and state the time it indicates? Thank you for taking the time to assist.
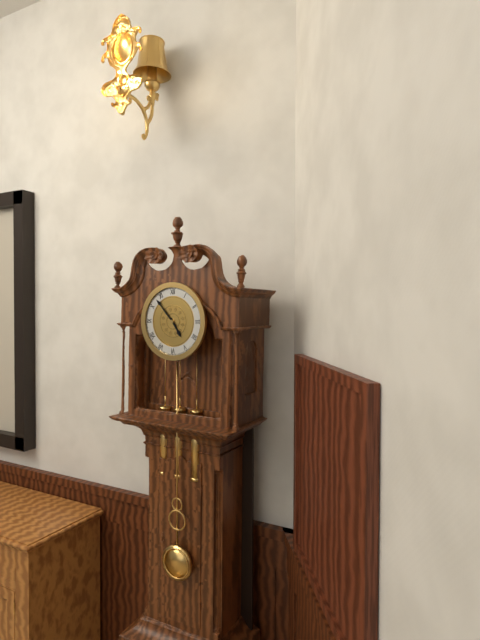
4:53
